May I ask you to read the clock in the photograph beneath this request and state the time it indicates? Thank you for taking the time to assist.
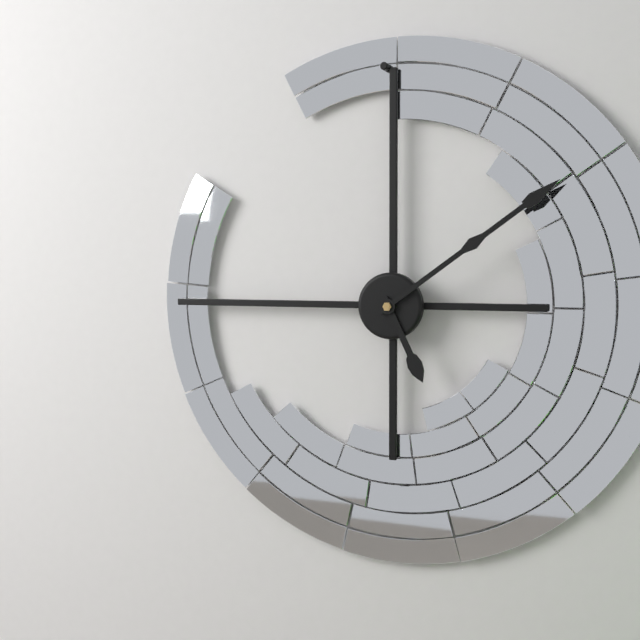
5:09
